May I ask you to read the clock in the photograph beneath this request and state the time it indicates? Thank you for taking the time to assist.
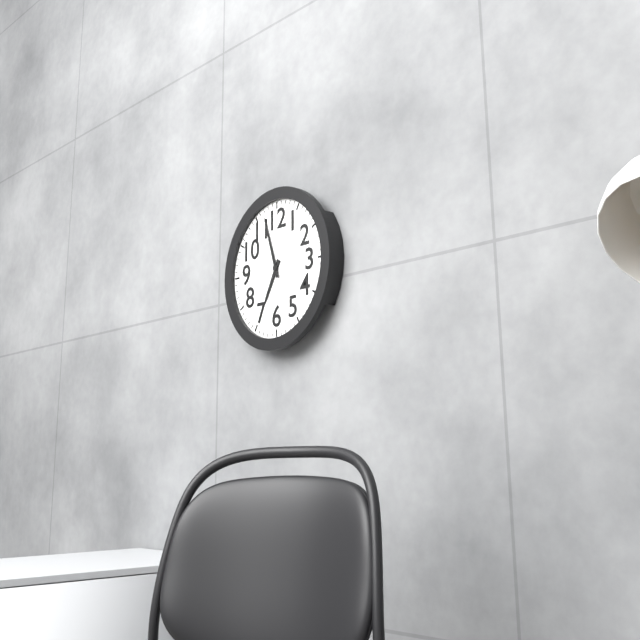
6:57
